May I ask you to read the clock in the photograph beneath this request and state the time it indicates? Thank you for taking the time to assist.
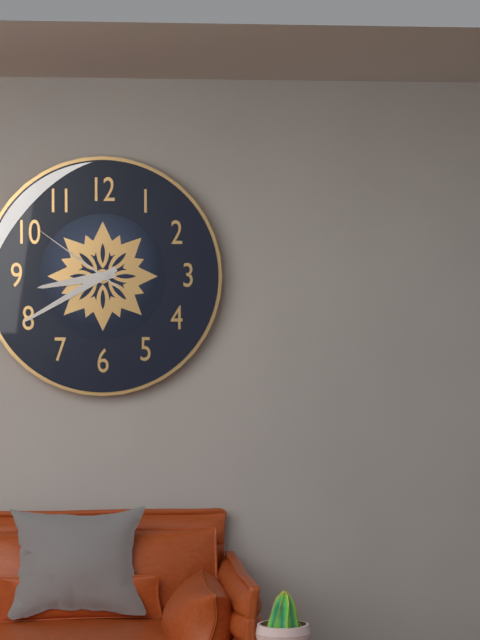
8:40:51
